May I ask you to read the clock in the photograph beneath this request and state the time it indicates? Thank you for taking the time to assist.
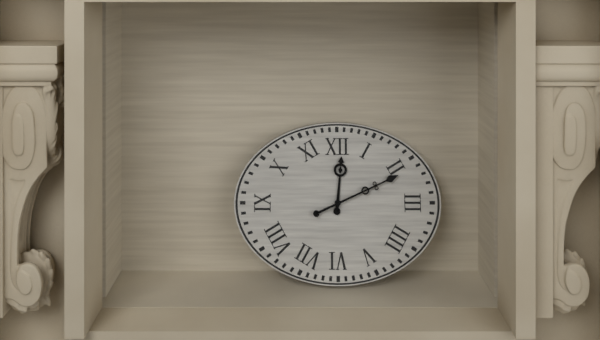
12:11
